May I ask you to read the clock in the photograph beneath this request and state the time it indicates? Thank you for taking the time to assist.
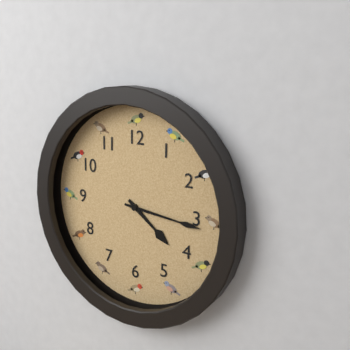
4:16
